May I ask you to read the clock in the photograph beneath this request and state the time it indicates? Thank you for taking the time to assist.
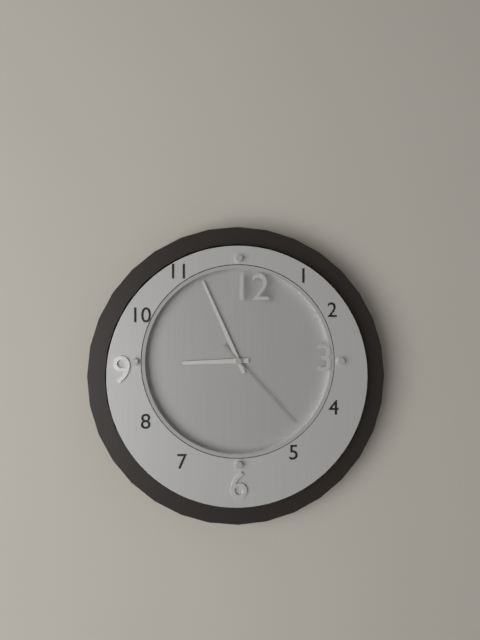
8:56:23
